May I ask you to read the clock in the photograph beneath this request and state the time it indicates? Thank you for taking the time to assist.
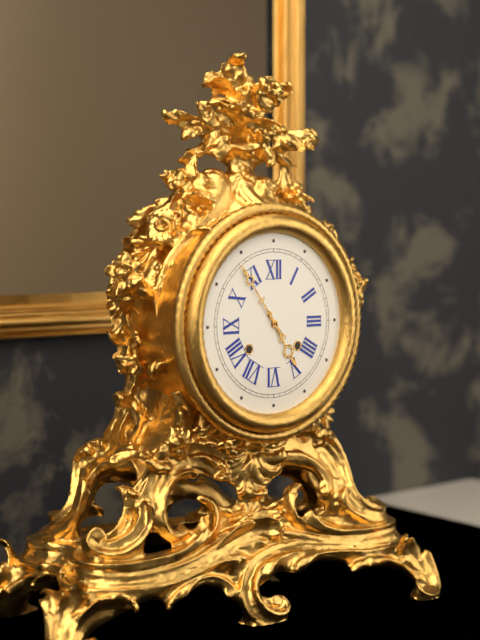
4:54
